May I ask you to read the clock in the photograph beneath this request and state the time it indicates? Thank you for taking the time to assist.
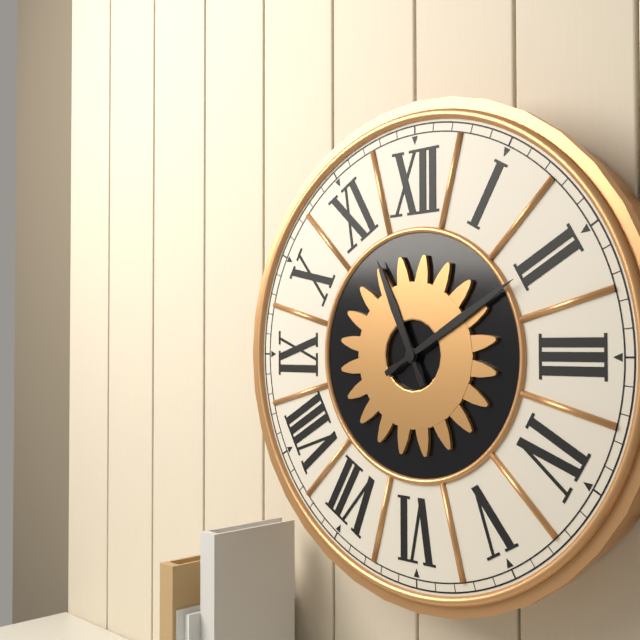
11:10
